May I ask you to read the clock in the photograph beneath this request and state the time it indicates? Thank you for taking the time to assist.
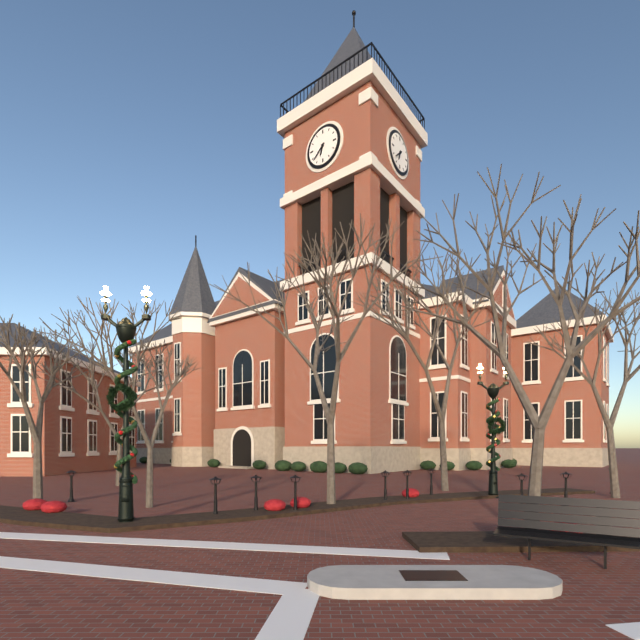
6:38
